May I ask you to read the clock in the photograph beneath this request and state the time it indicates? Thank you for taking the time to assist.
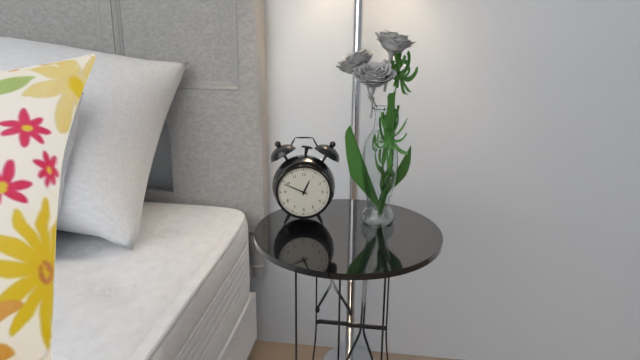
12:49
